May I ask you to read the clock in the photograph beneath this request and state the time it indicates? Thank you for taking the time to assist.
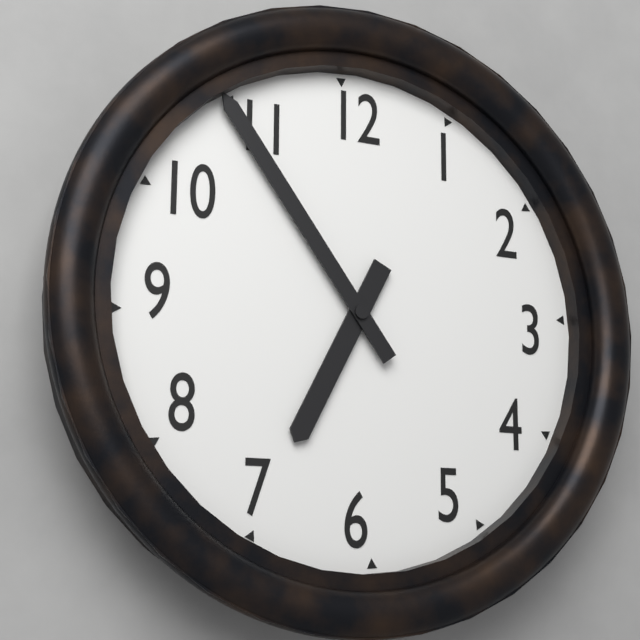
6:54
